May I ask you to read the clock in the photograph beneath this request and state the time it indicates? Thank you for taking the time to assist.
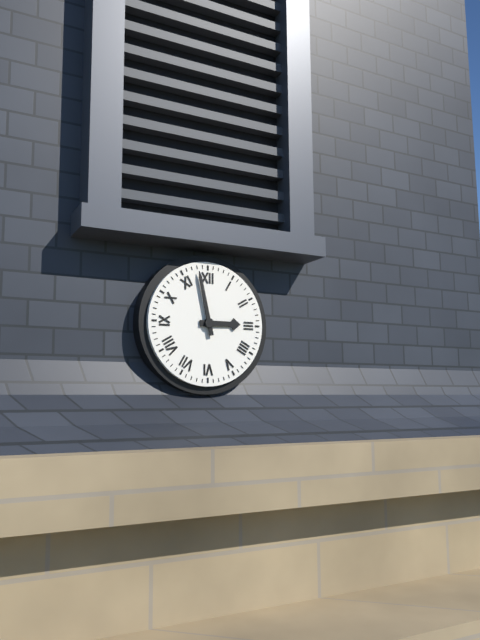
2:58
